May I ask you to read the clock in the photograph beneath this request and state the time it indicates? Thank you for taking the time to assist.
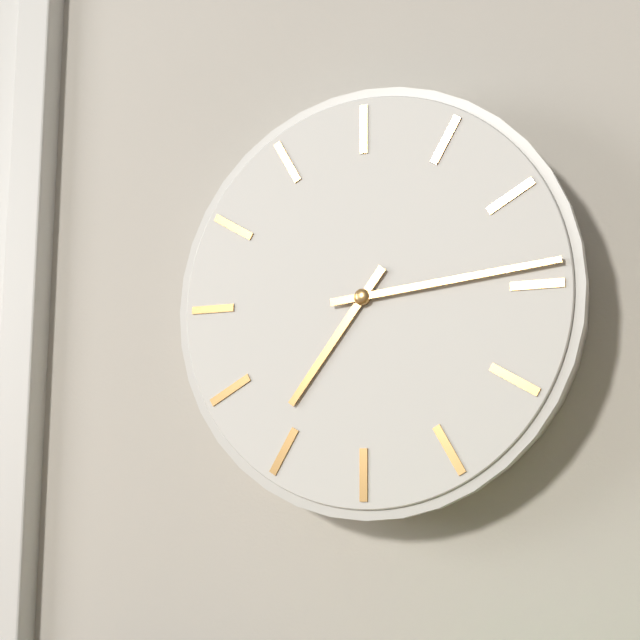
7:14
